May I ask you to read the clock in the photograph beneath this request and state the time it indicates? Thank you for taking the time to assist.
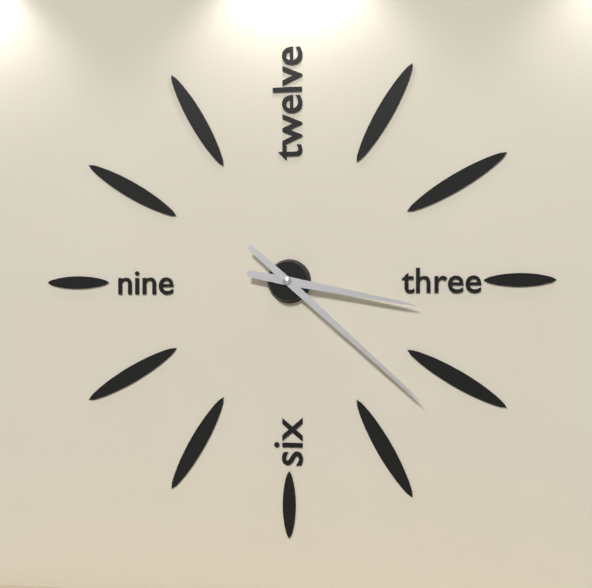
3:22
